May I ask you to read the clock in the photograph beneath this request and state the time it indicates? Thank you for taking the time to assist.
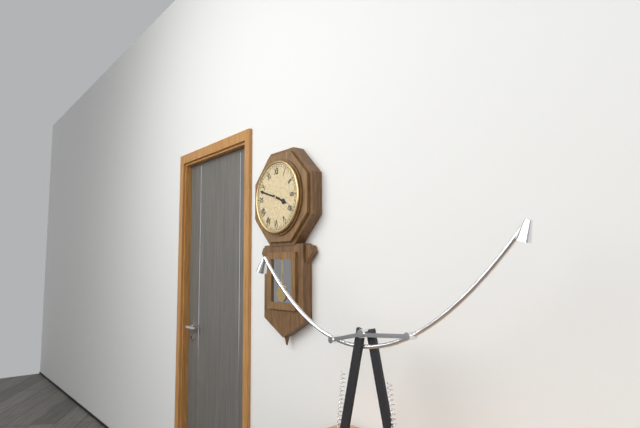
3:48
